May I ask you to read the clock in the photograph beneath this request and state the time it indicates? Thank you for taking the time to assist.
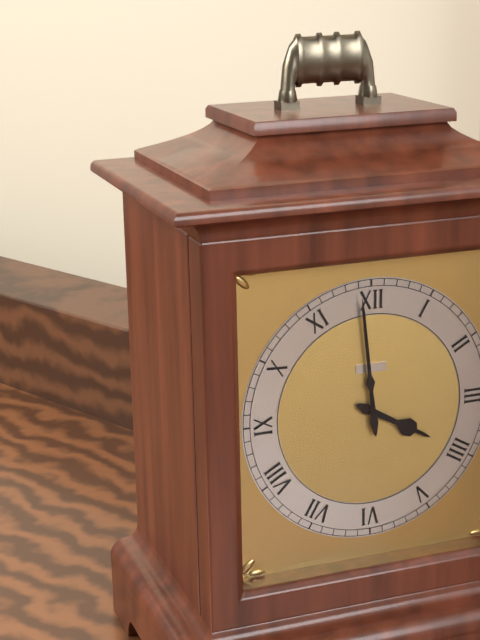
3:59
